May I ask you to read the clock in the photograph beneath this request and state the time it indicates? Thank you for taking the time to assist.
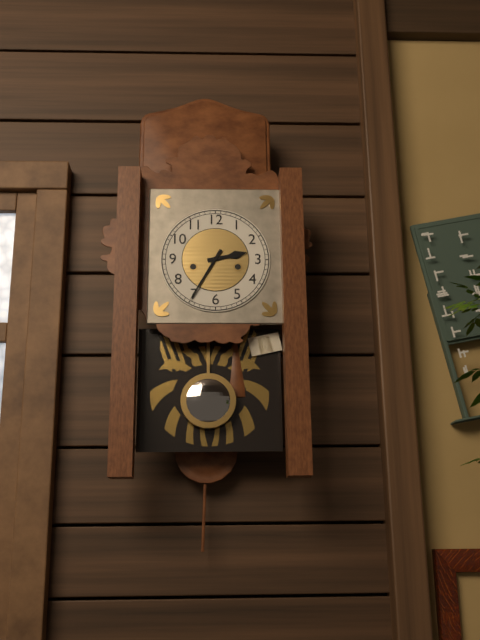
2:35
